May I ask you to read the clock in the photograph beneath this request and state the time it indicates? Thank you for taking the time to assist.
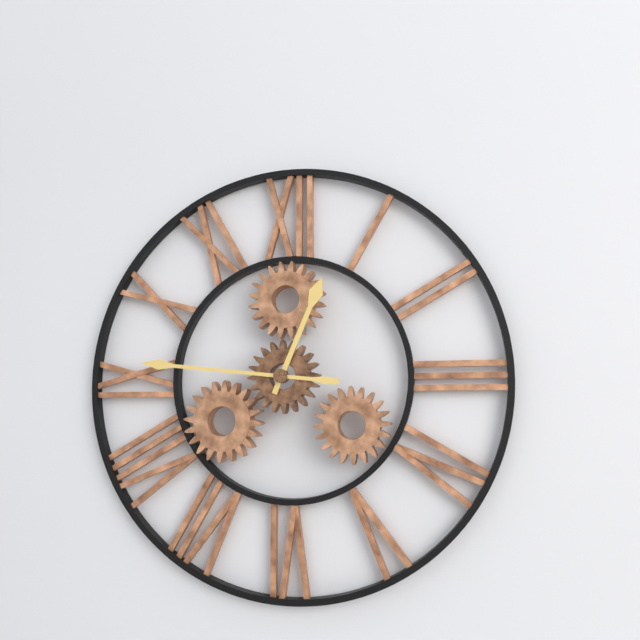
12:46
